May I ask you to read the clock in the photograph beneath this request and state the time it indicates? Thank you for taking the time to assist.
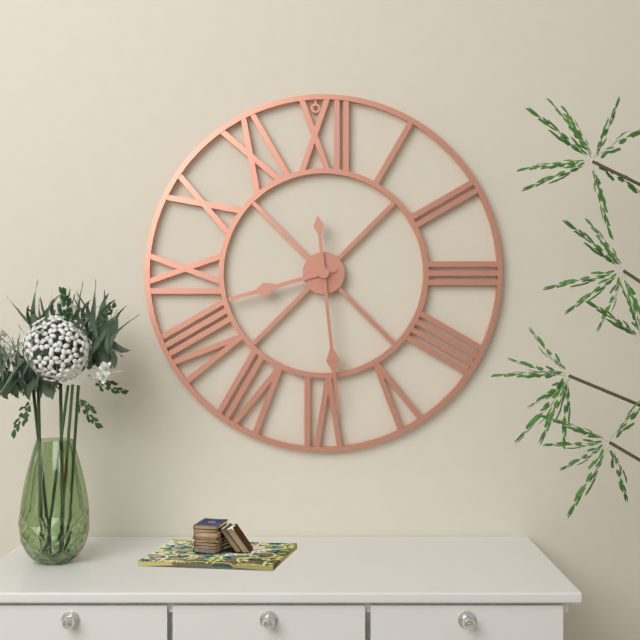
8:29
